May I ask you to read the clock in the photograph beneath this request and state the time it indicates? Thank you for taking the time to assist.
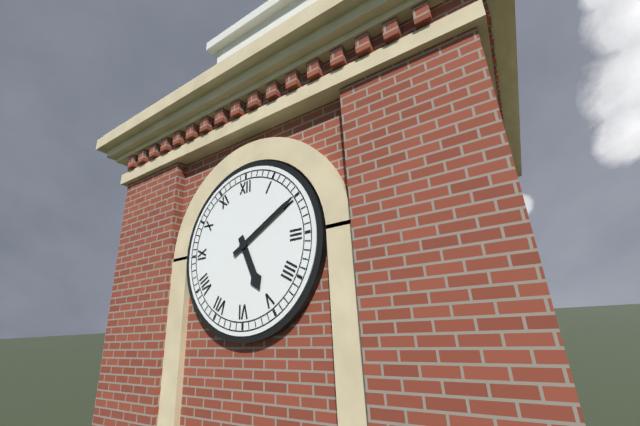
5:10
